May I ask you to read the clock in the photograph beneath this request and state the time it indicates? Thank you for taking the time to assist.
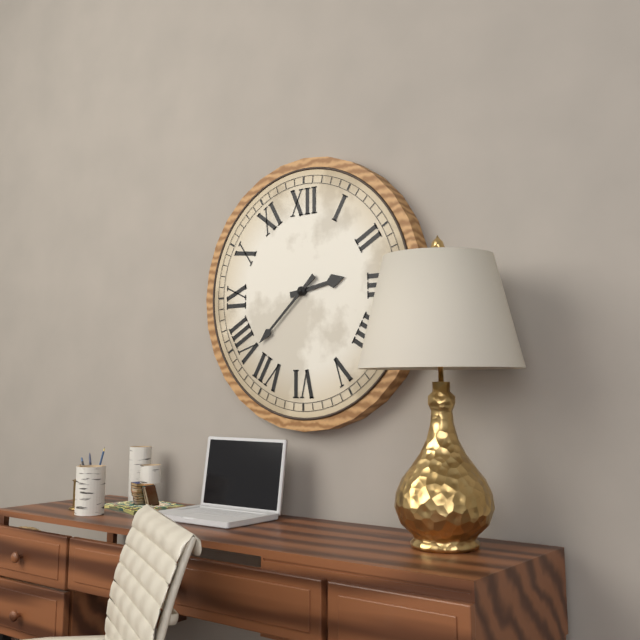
2:38
